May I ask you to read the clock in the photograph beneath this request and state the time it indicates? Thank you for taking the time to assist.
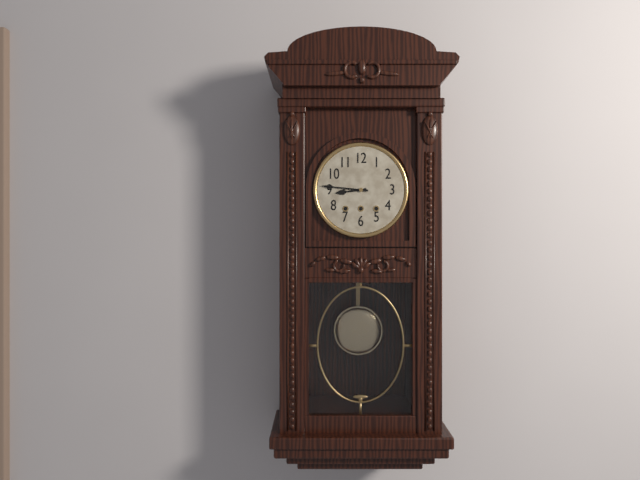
8:46
